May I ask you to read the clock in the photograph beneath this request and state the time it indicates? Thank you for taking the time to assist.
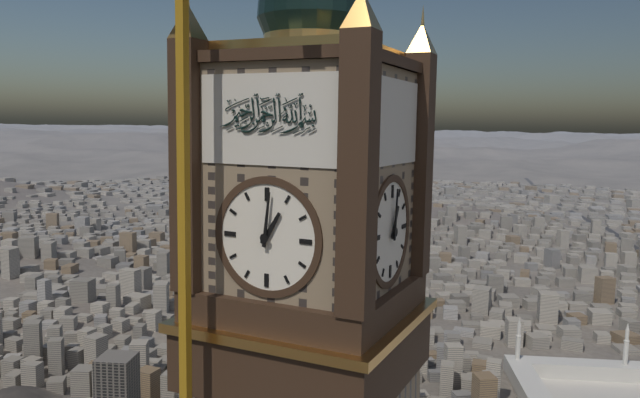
1:01
